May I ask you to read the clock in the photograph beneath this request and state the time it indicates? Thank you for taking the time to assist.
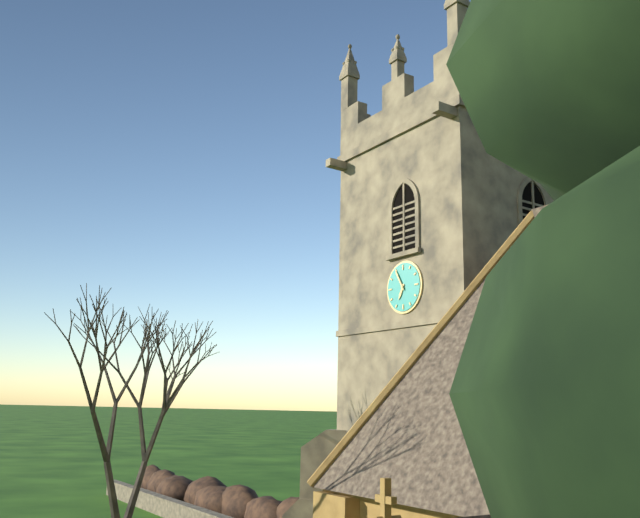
6:55
